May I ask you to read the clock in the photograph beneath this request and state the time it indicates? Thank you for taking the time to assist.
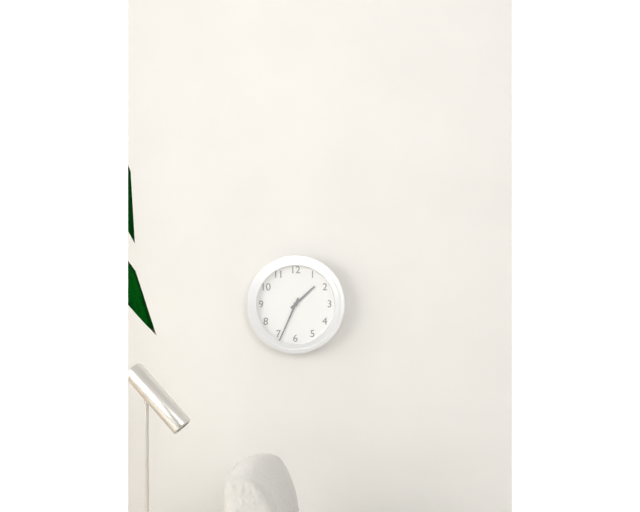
1:34
